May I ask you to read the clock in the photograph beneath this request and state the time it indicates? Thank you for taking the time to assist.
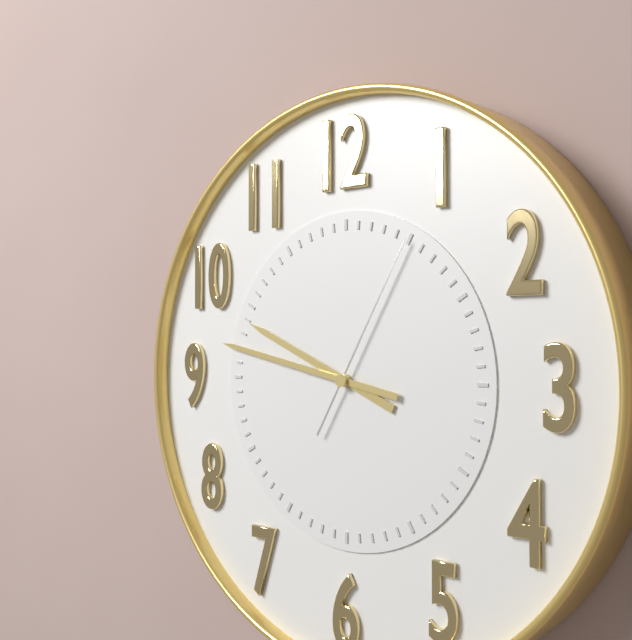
9:47:05
